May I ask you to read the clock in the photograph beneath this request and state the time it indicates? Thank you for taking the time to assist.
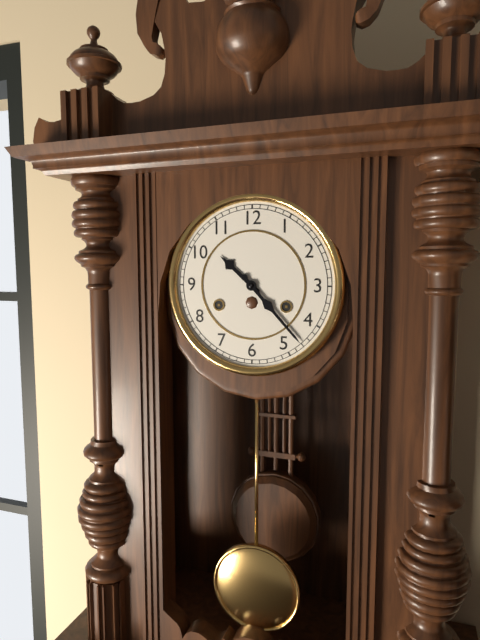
10:23
